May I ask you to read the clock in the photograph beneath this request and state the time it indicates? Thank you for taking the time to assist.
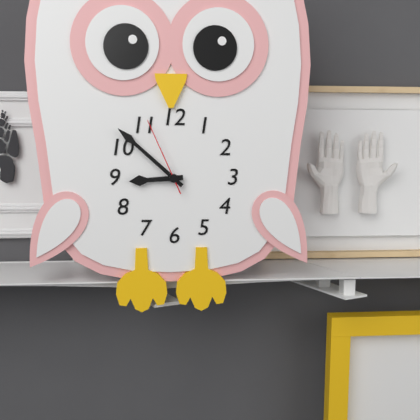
8:52:56
